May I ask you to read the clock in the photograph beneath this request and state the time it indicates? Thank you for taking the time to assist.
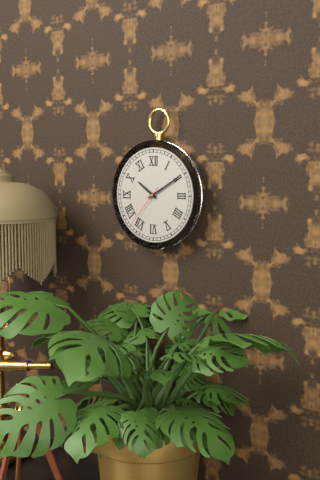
10:10
